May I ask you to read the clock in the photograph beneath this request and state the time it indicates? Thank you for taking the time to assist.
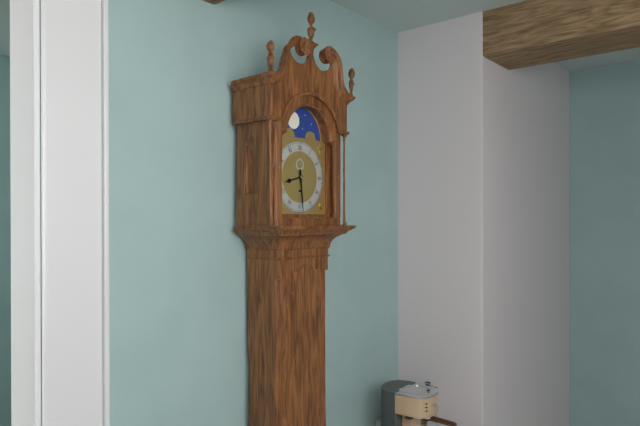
8:29
